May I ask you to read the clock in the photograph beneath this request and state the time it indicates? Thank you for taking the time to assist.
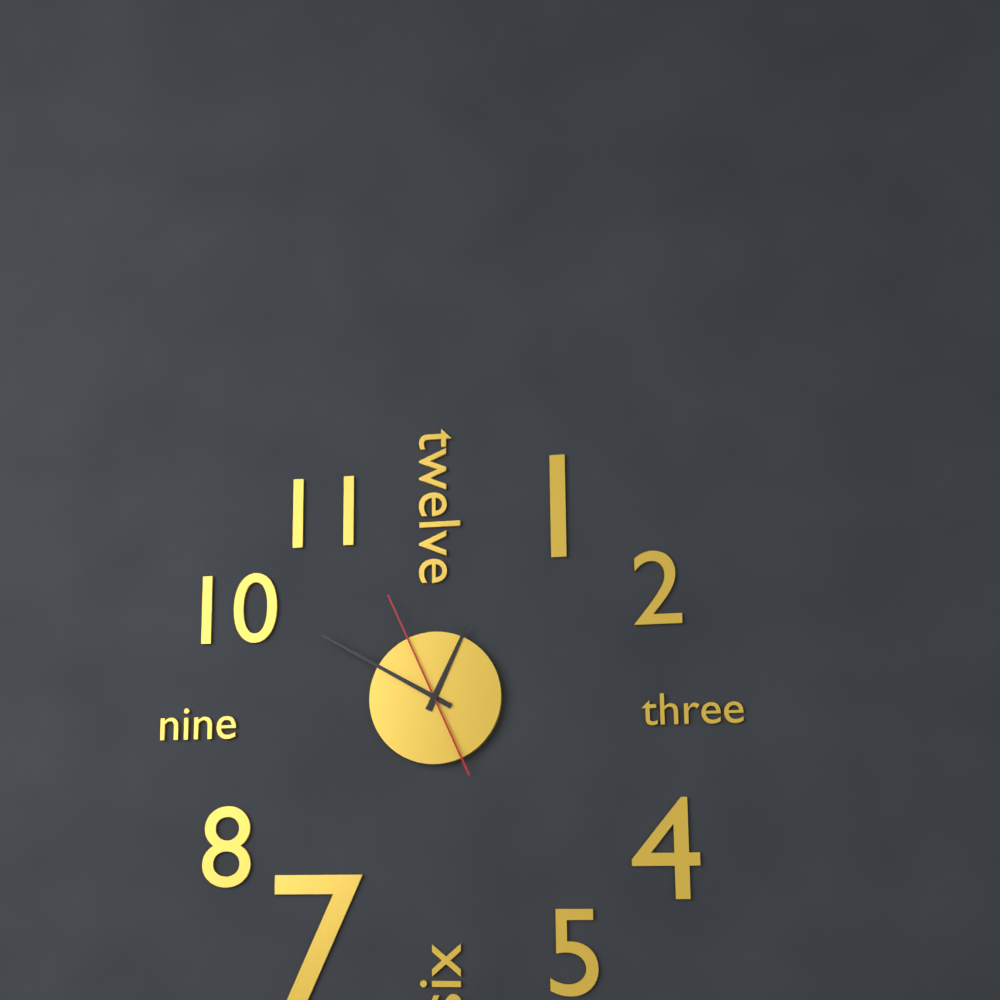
12:50:56
